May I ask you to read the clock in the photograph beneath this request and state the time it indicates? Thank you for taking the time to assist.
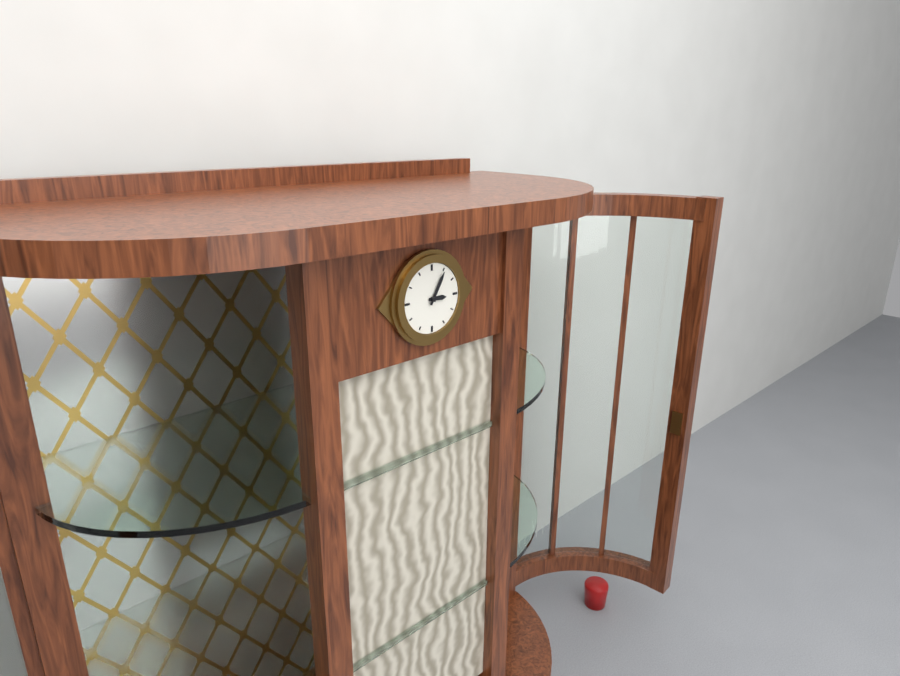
3:05
